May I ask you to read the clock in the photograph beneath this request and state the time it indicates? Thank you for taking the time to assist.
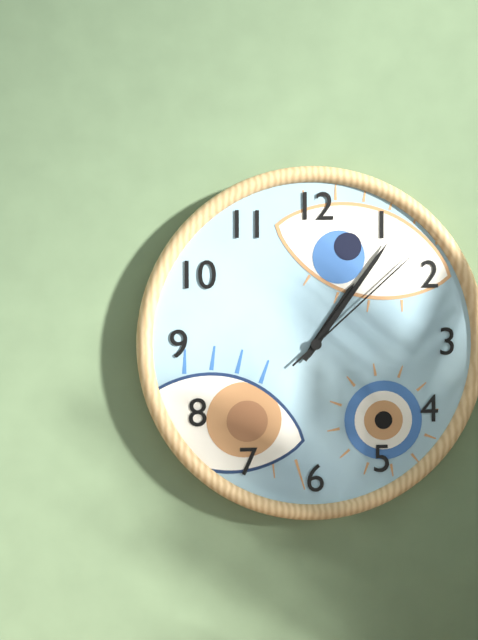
1:06:08
